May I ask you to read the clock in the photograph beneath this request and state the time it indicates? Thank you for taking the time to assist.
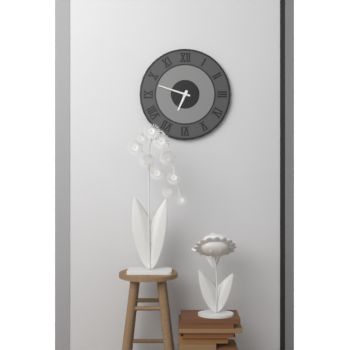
6:48
